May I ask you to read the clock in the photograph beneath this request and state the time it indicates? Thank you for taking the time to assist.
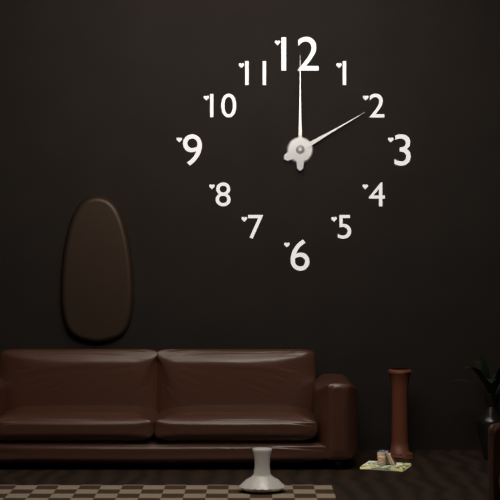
2:00
